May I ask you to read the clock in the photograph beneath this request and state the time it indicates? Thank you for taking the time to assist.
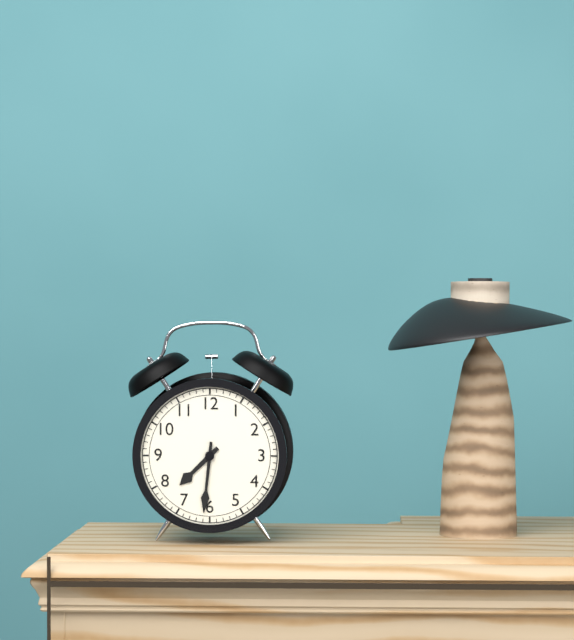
7:31
